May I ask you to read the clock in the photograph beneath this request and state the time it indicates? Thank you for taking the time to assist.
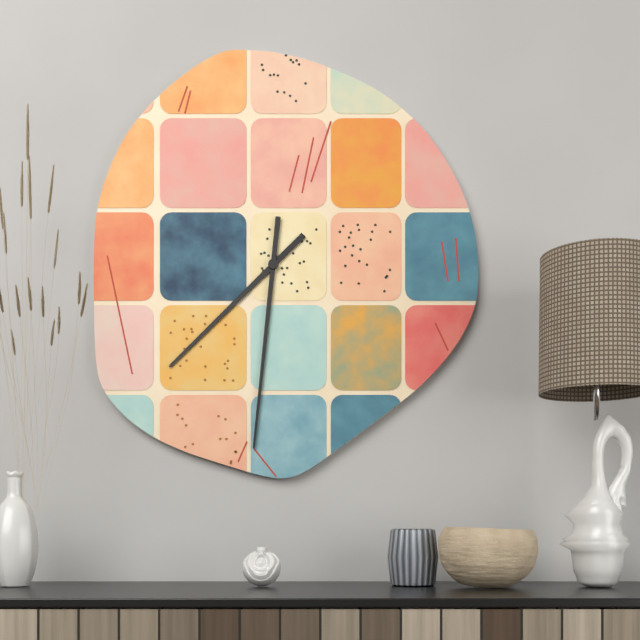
7:31
